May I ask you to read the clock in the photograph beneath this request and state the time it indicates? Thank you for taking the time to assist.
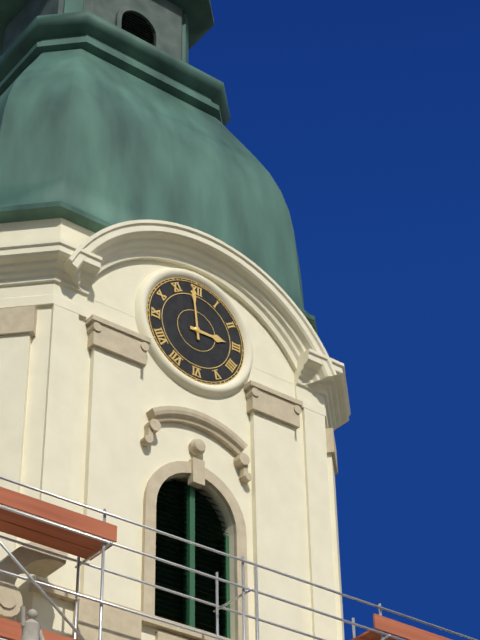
2:59
